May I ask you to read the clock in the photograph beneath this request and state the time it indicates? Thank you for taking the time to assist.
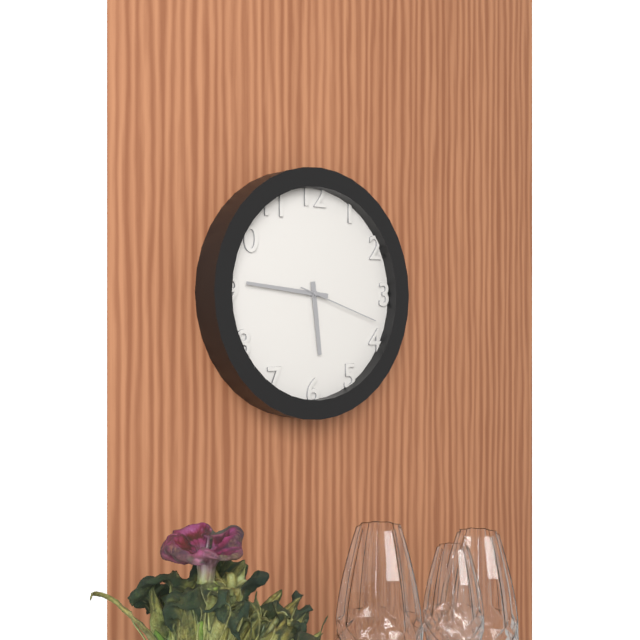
5:46:18
